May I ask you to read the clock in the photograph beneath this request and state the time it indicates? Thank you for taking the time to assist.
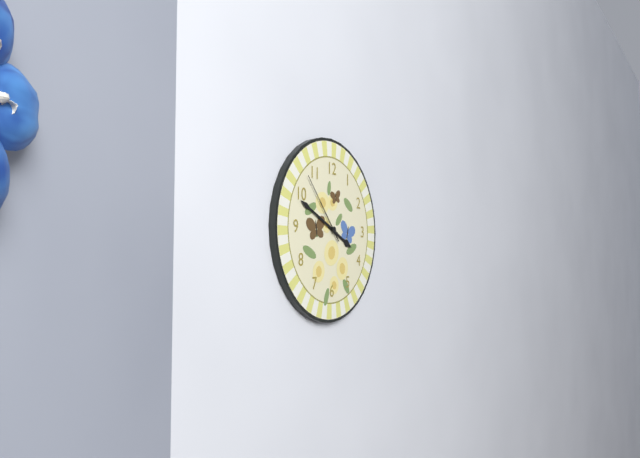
3:49:53
